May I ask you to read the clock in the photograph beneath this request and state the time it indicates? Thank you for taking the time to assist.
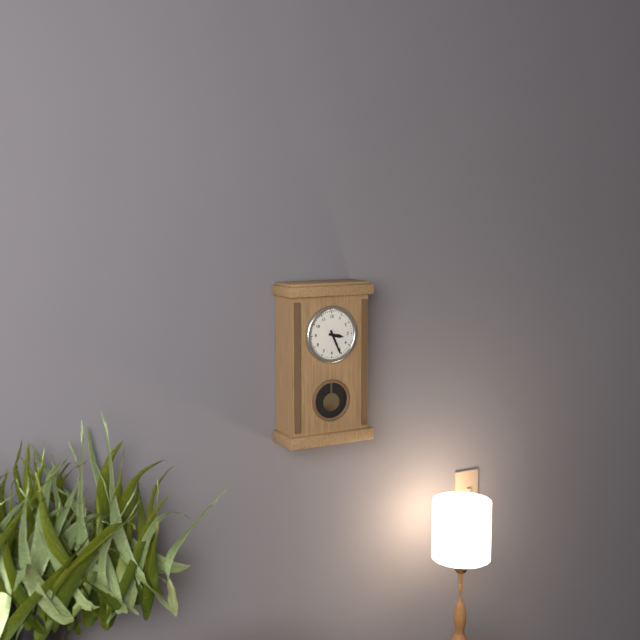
3:26
